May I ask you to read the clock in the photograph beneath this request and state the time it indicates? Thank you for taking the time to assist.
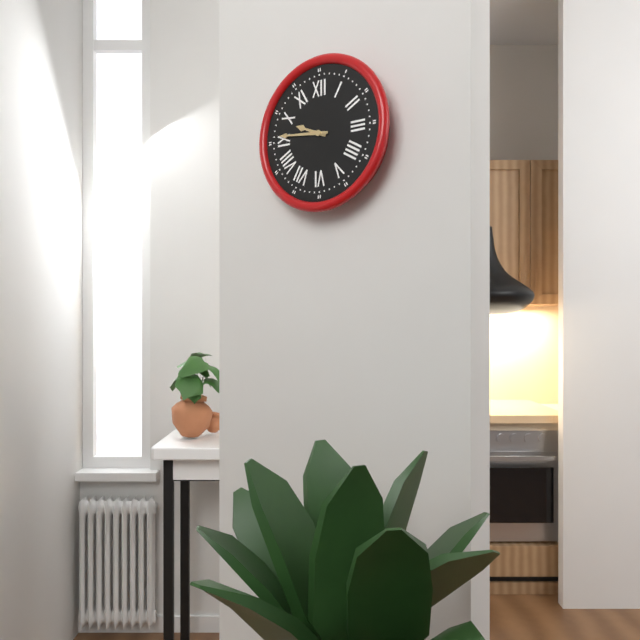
9:46
